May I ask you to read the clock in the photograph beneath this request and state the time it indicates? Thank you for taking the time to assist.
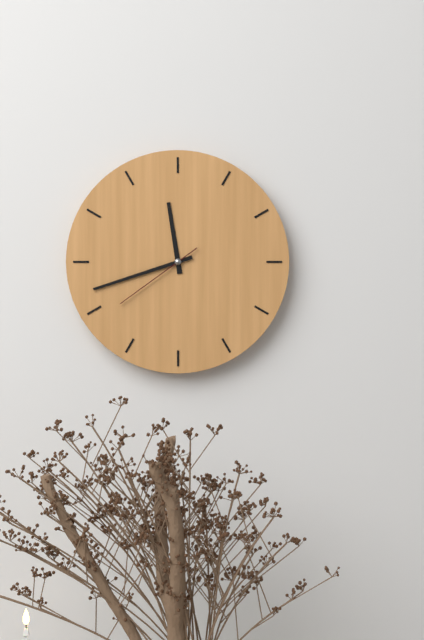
11:42:39
